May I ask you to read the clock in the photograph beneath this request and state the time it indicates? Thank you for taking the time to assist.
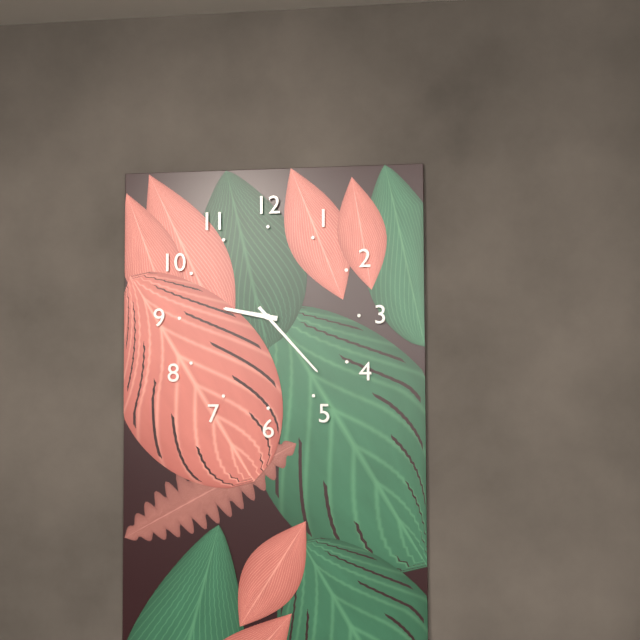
9:23
